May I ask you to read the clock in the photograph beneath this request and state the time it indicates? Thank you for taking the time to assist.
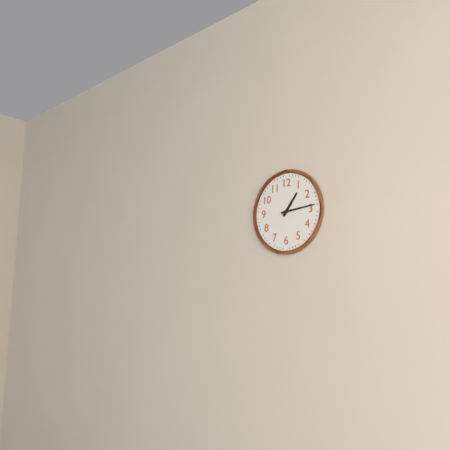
1:14
